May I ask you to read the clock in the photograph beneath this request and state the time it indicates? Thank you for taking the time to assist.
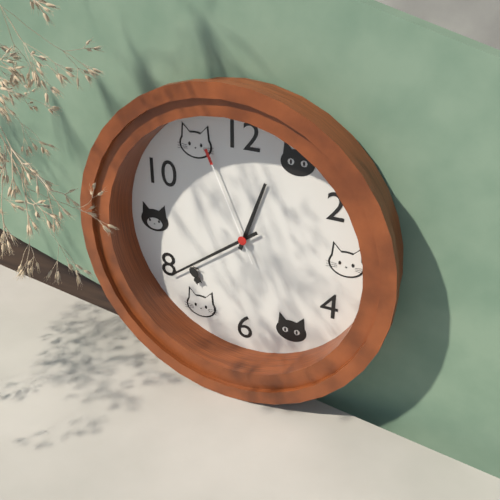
12:39:56
